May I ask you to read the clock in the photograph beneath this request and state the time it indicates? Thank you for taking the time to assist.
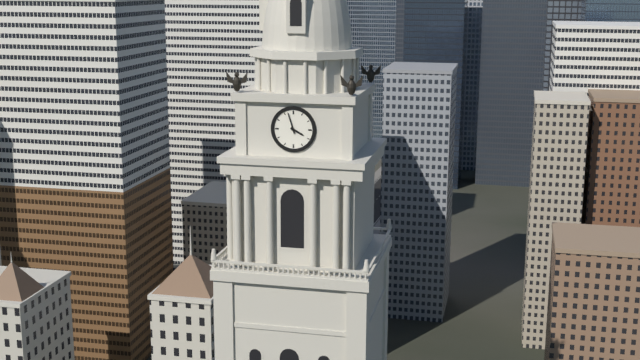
3:57
